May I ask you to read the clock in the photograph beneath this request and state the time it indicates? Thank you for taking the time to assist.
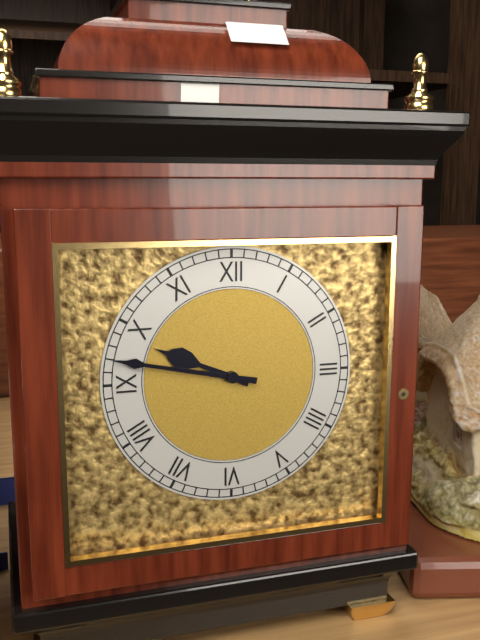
9:47
